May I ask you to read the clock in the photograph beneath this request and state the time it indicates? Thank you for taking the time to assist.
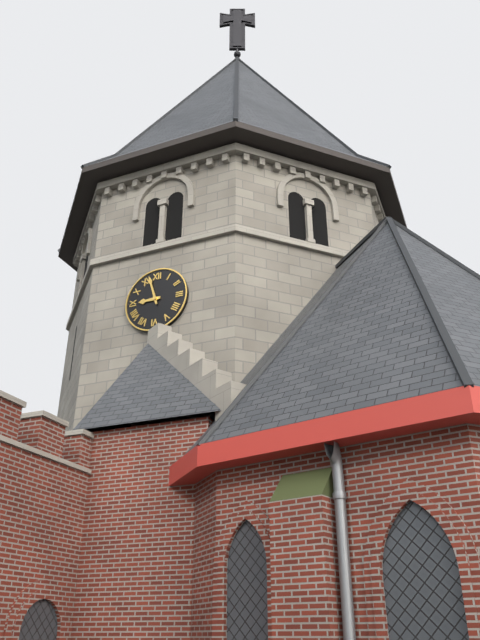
8:57
